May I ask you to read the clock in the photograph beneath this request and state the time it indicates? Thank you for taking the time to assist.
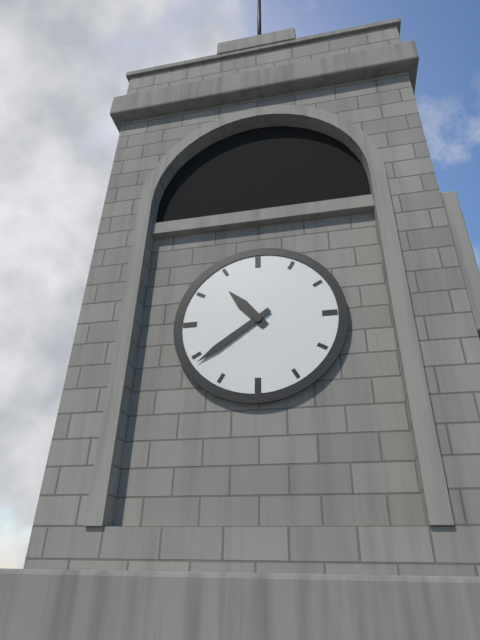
10:39
